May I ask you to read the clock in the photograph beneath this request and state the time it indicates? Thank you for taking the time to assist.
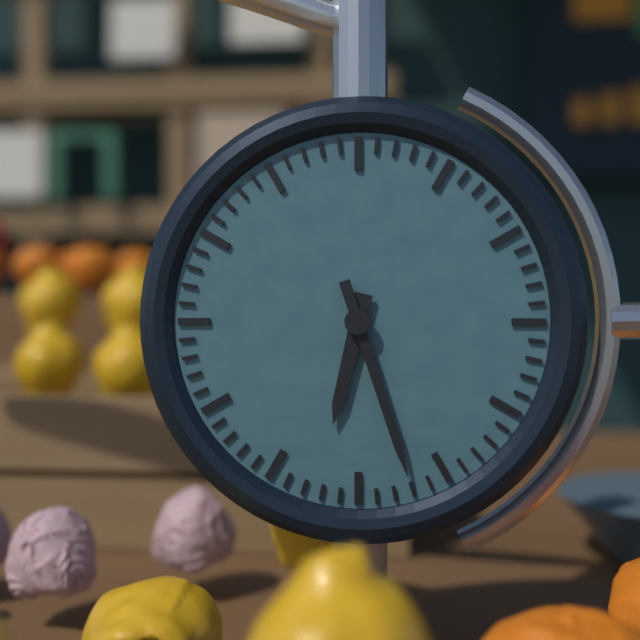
6:27
